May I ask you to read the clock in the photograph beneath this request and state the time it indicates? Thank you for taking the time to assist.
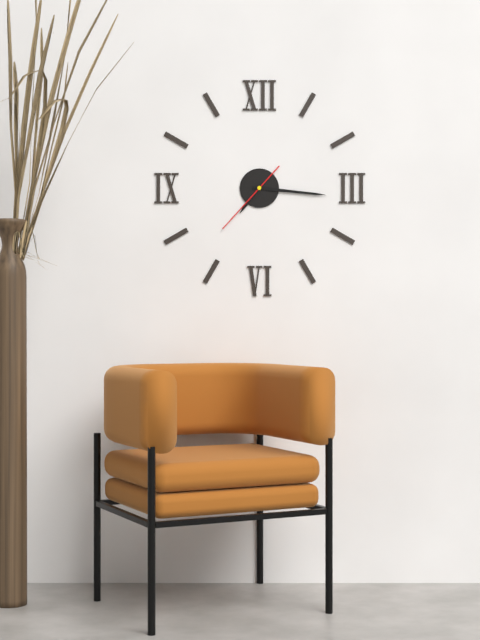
7:16:37
